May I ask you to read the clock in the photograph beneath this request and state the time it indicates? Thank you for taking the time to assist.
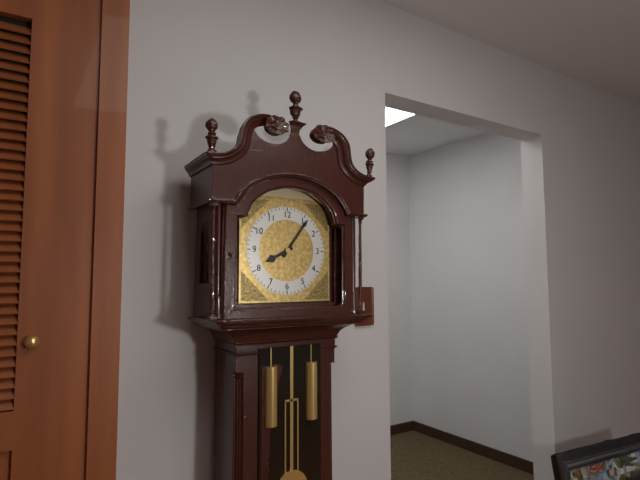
8:06
